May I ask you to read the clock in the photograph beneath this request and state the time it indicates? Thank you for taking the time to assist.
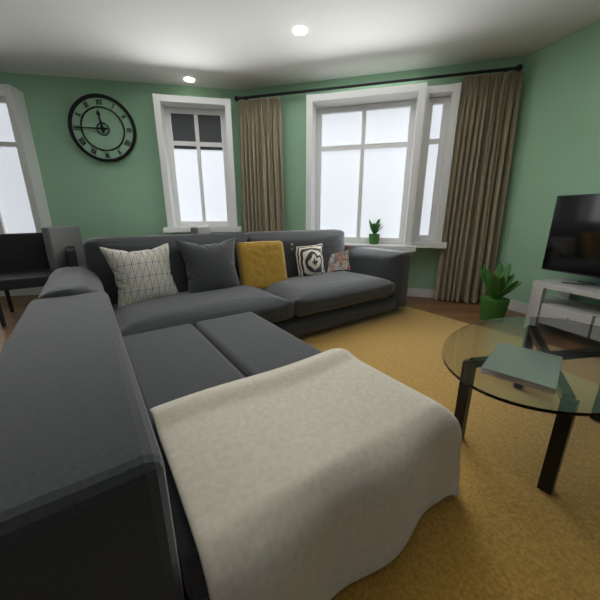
11:45
